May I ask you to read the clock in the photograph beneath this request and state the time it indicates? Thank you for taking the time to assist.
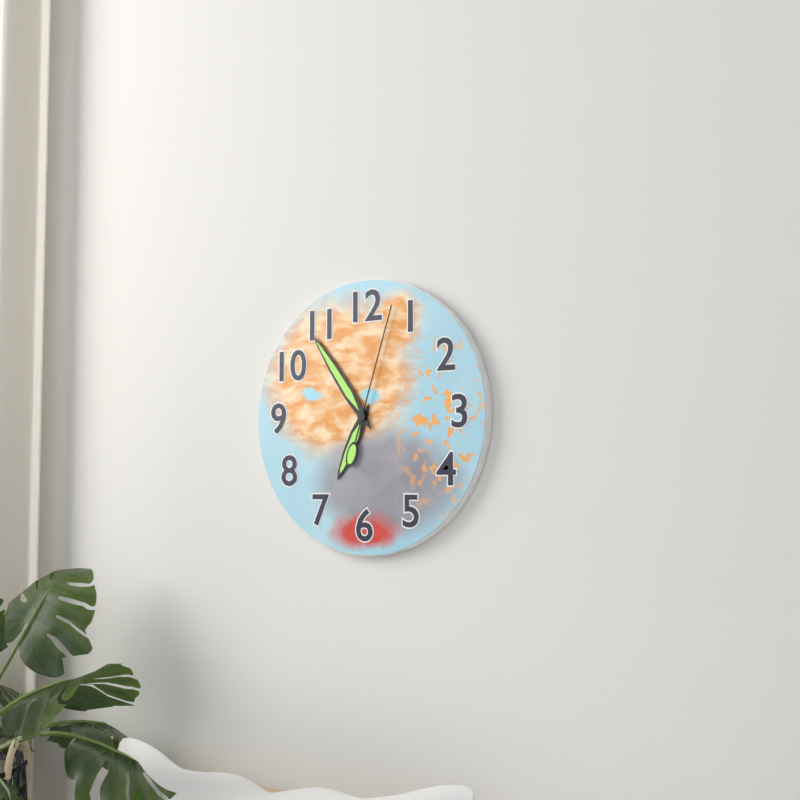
6:54:03
